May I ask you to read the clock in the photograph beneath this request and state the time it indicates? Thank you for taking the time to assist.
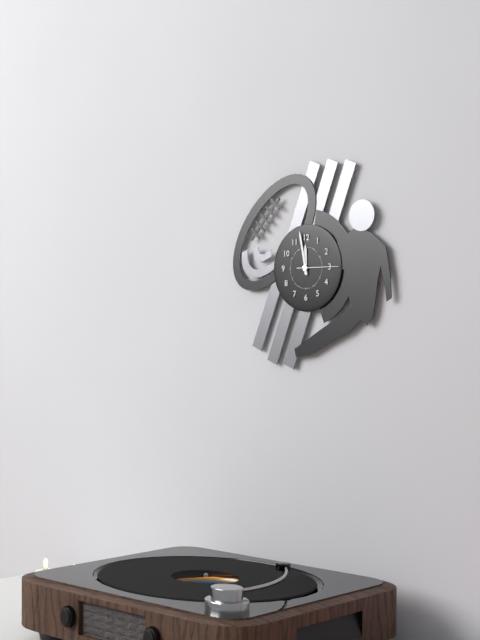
11:58
